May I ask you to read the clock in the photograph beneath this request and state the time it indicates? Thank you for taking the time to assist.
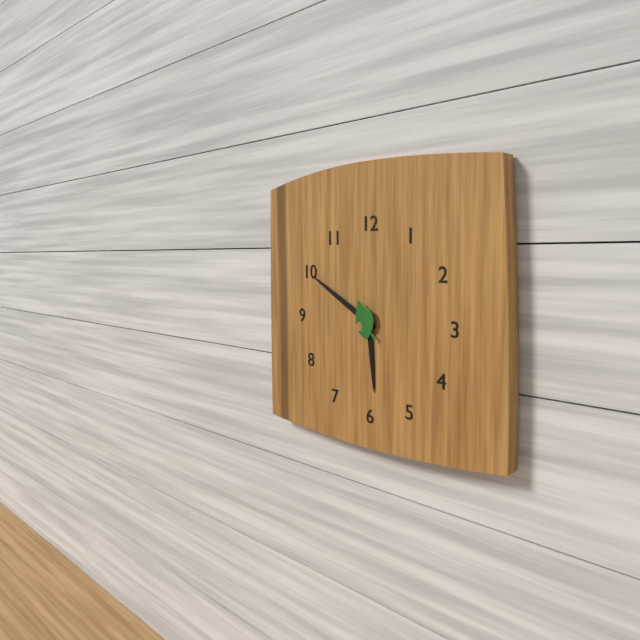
5:50
